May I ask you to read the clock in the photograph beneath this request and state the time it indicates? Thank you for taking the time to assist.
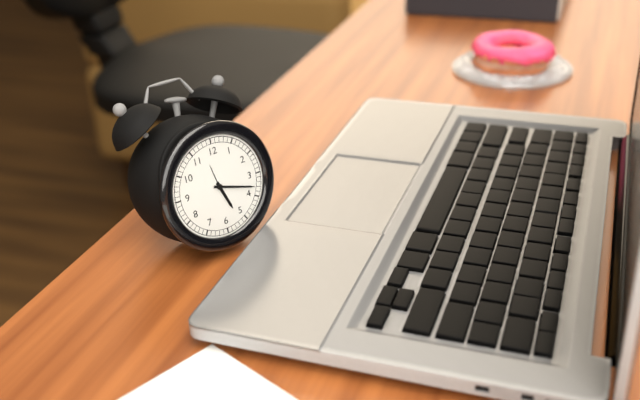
5:18
